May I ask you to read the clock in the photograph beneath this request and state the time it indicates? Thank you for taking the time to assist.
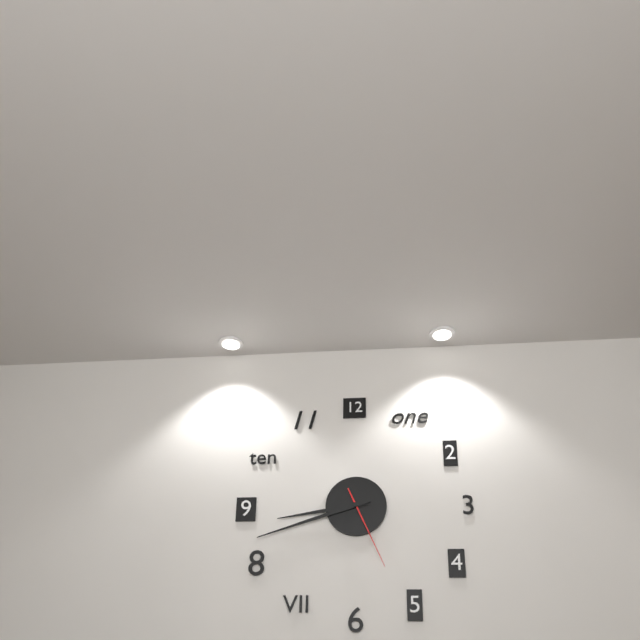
8:42:26
